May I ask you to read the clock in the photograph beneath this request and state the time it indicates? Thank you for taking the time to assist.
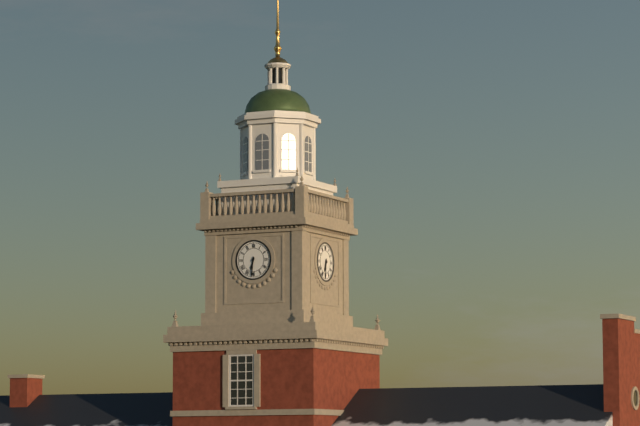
6:31
